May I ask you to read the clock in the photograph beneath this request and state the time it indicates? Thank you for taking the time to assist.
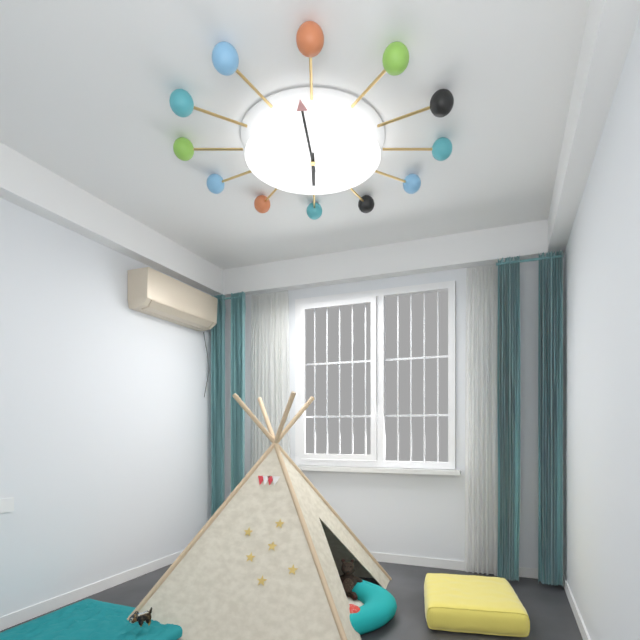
5:59
